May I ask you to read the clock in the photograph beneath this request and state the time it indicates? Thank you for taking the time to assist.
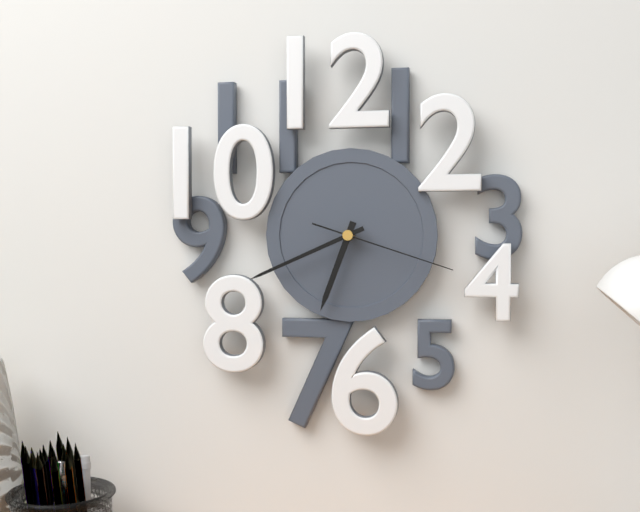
6:41:18
